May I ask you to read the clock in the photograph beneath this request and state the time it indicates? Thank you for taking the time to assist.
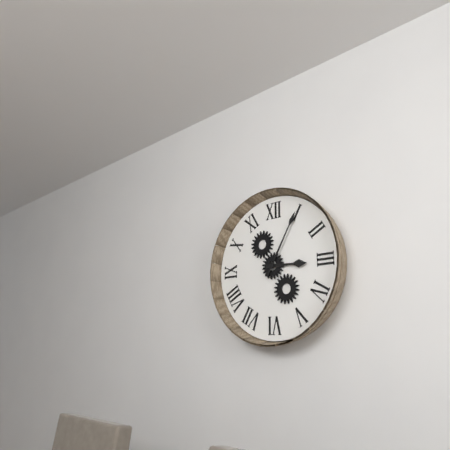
3:05
